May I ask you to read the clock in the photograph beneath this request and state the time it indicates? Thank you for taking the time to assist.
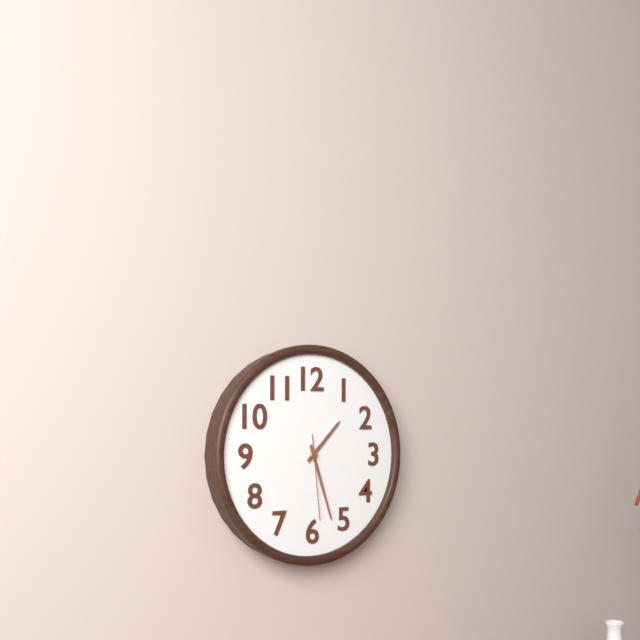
1:27:29
